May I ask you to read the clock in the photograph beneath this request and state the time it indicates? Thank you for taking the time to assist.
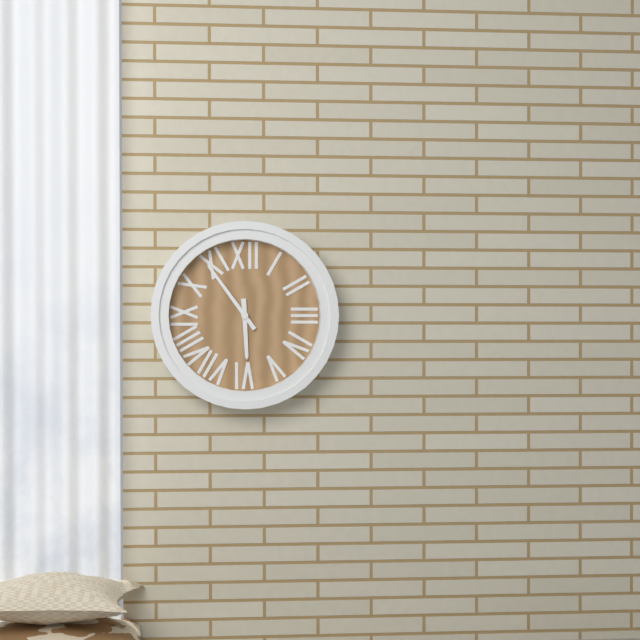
5:54
